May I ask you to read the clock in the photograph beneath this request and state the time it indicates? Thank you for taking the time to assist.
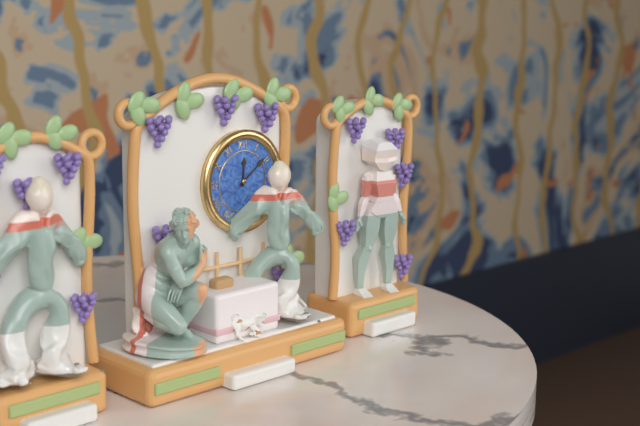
12:09
